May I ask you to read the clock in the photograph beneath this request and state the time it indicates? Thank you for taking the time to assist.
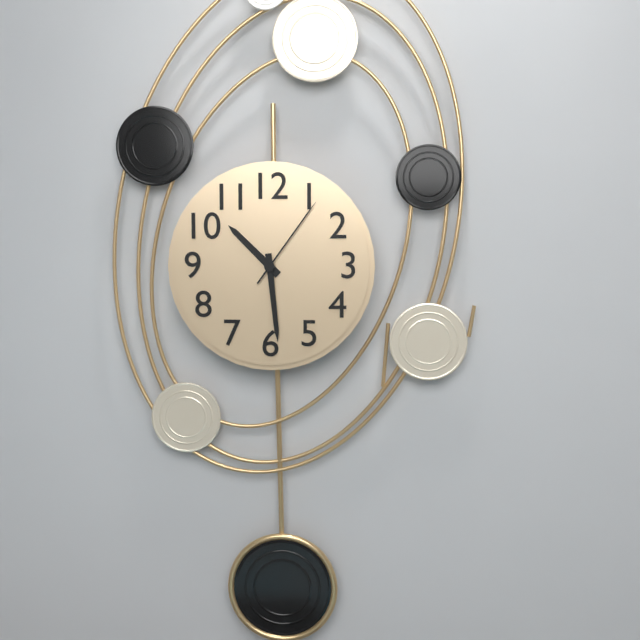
10:29:06
